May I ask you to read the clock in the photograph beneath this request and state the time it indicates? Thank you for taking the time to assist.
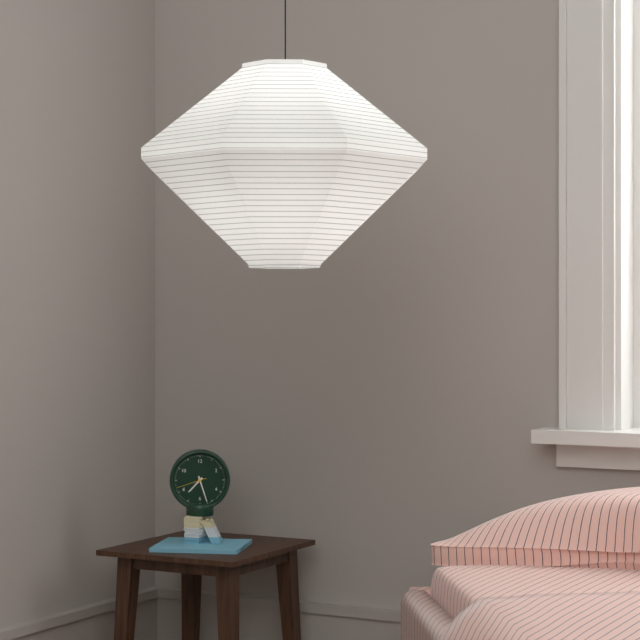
7:27
